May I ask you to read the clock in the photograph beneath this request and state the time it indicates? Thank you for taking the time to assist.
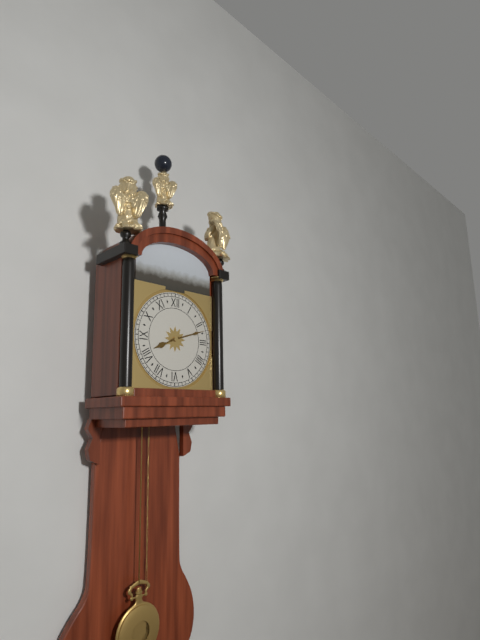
8:12
